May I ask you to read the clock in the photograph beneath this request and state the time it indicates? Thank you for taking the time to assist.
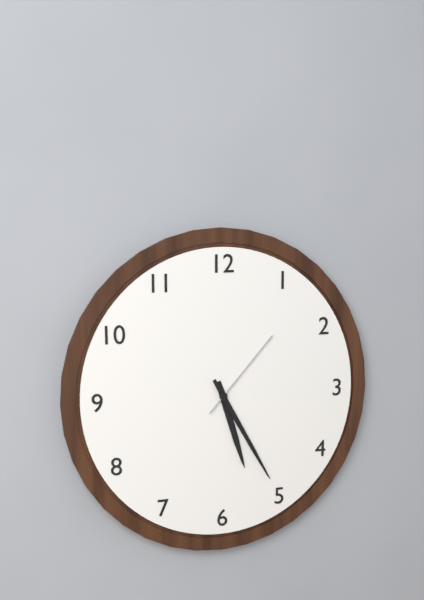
5:25:07
